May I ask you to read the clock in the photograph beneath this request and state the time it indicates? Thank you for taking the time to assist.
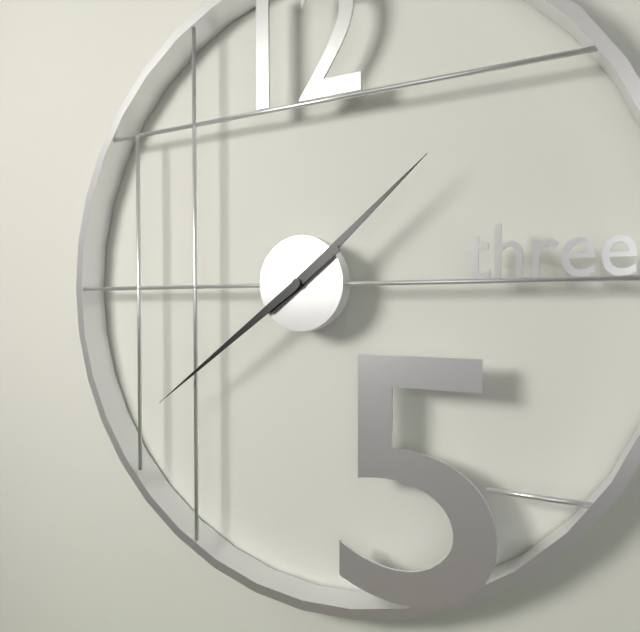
1:39
